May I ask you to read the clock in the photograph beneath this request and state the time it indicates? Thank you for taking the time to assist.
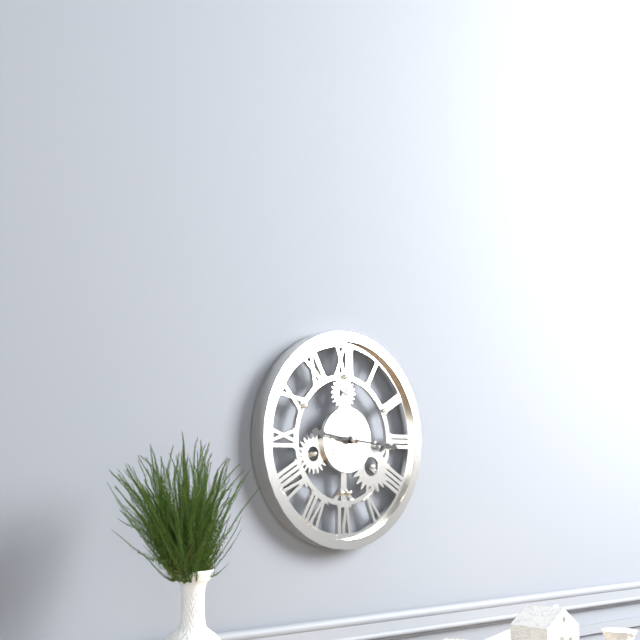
9:16
